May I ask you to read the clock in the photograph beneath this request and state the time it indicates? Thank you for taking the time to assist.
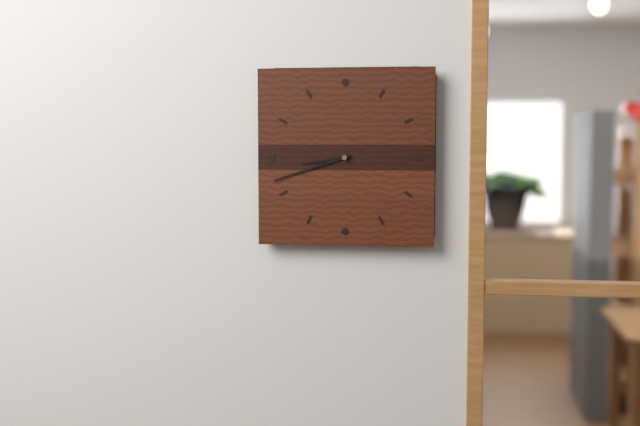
8:42
